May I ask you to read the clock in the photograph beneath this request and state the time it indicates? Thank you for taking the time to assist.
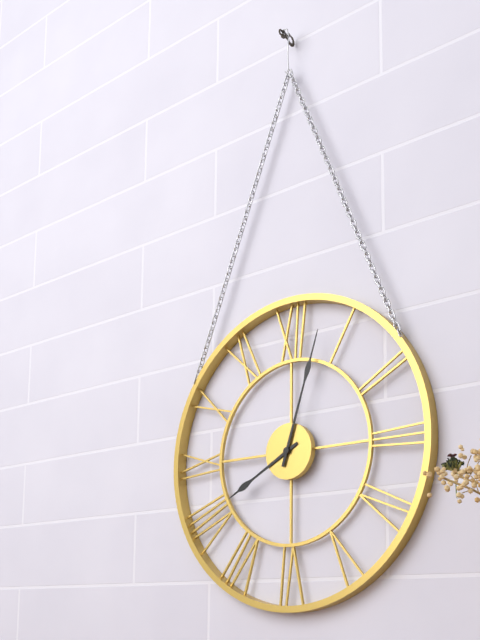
8:03
